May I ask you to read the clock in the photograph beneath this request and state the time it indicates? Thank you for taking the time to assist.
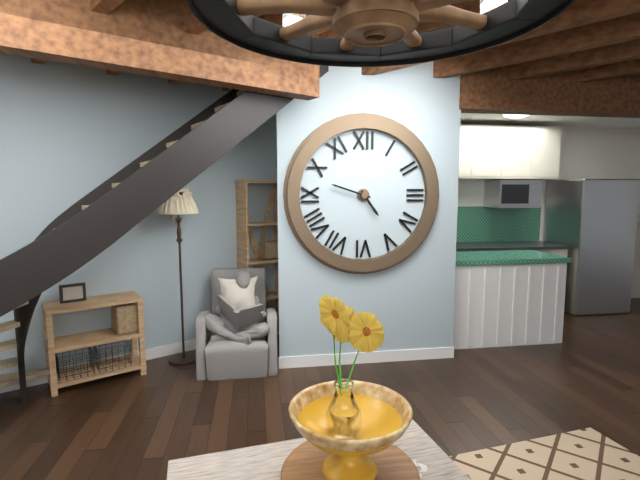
4:48
